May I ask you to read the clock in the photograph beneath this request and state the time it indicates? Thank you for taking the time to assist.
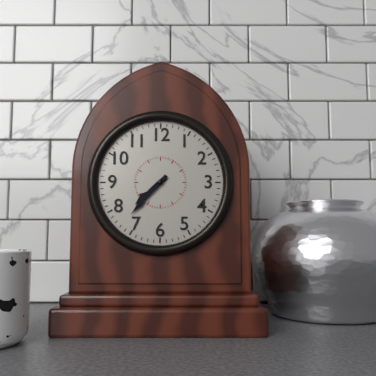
7:37
